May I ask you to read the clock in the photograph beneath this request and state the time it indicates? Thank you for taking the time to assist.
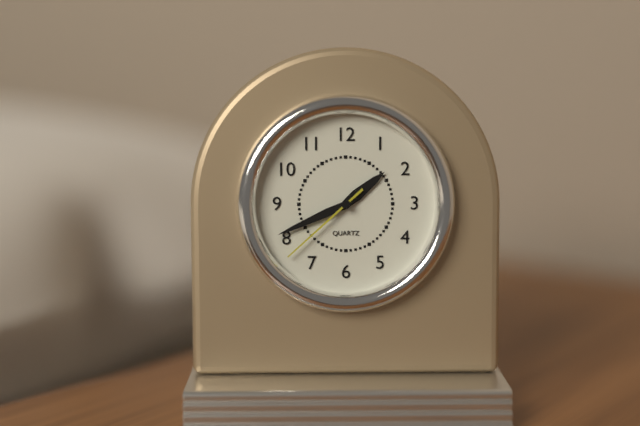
1:41:38
